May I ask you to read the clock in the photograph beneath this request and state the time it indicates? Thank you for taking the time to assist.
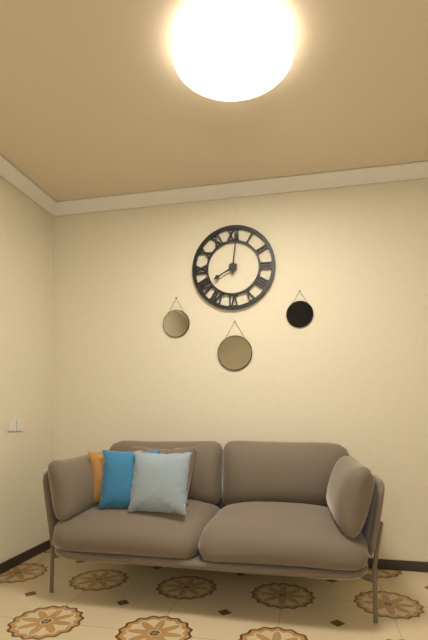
8:01
